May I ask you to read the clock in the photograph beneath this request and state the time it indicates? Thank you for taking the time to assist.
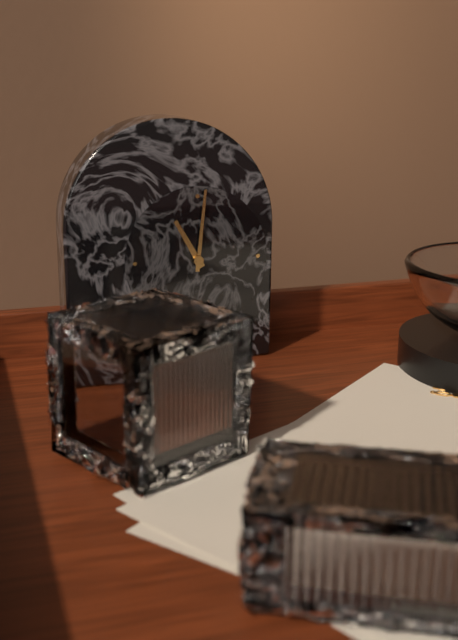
11:01
